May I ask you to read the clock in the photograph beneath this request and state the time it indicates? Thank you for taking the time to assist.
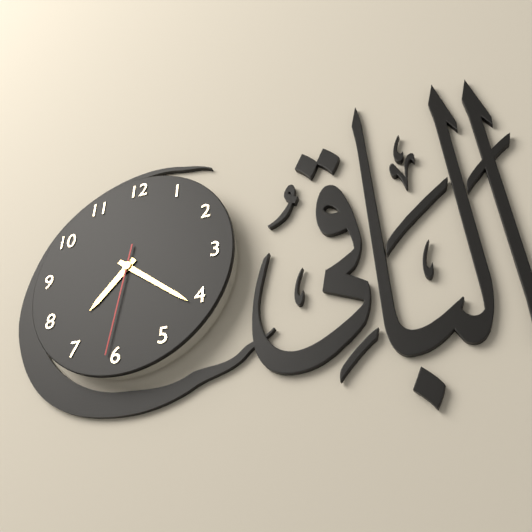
7:21:31
